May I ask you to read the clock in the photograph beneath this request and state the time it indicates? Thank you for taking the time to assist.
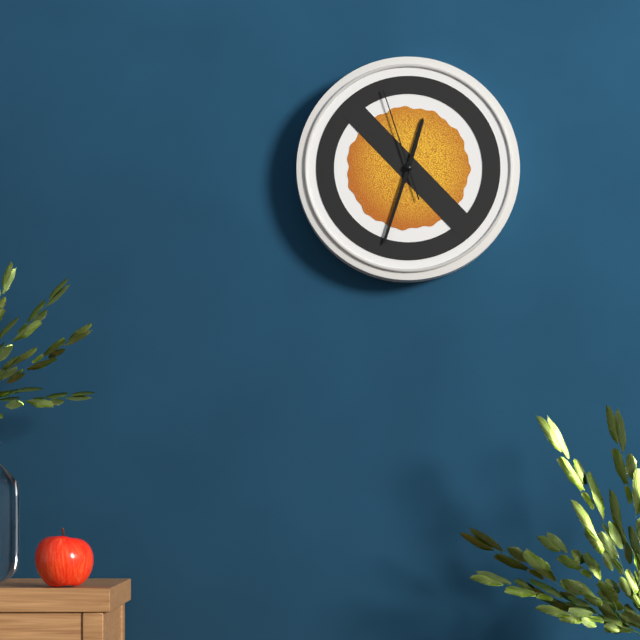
12:33:57
